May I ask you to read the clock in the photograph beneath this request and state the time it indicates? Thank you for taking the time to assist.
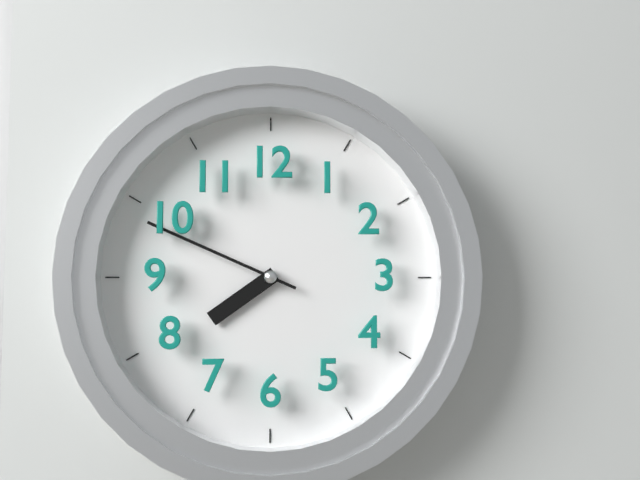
7:49
